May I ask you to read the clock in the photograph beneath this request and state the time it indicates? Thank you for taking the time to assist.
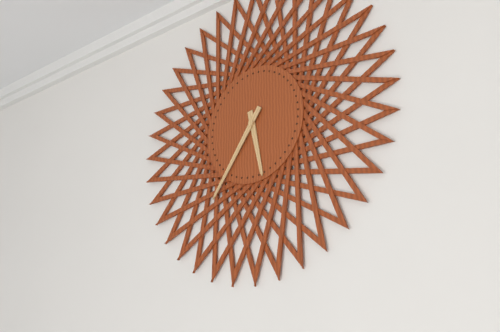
5:36
